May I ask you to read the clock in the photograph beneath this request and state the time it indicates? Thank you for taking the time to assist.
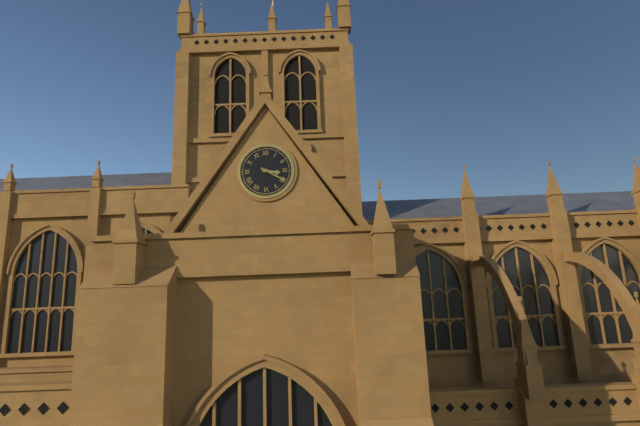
3:20
